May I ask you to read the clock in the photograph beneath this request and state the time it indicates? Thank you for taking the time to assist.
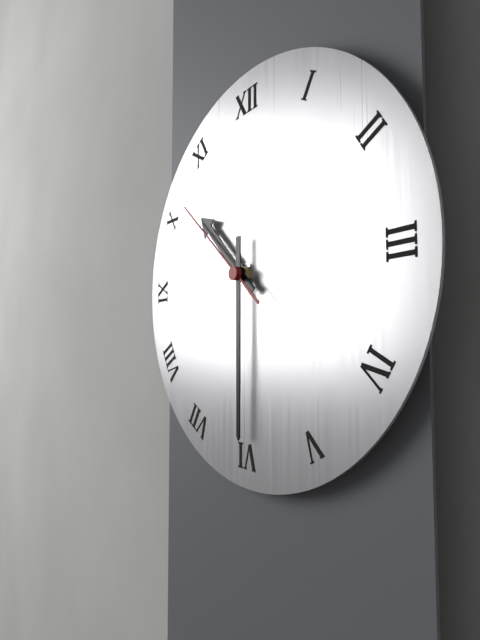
10:30:52
